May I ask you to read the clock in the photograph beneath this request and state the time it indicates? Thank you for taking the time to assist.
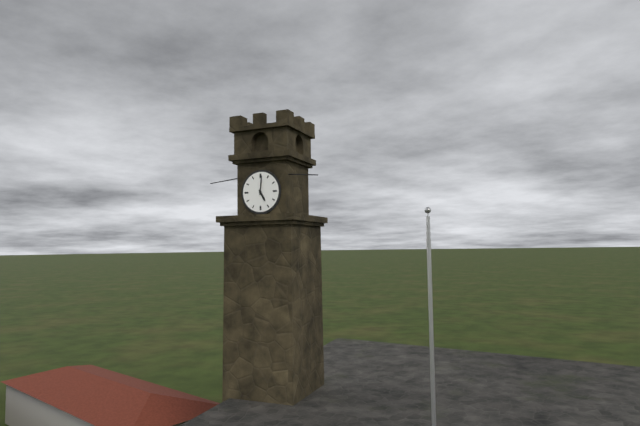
5:01
